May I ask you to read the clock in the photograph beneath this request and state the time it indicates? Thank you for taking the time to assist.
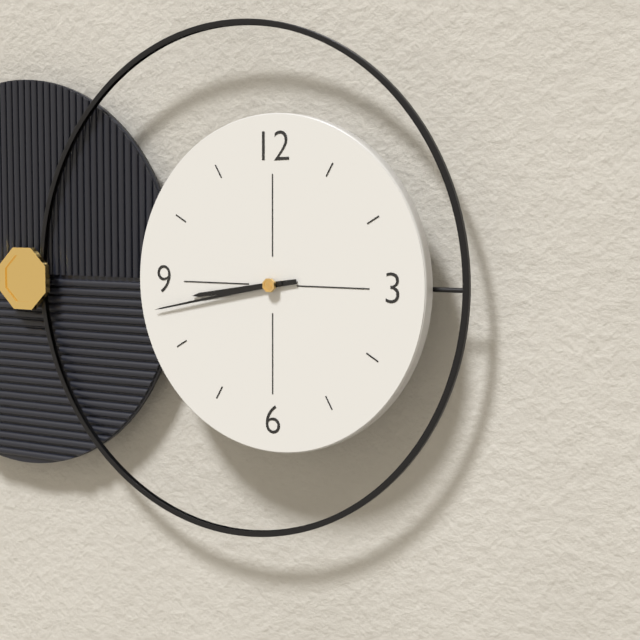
8:43
